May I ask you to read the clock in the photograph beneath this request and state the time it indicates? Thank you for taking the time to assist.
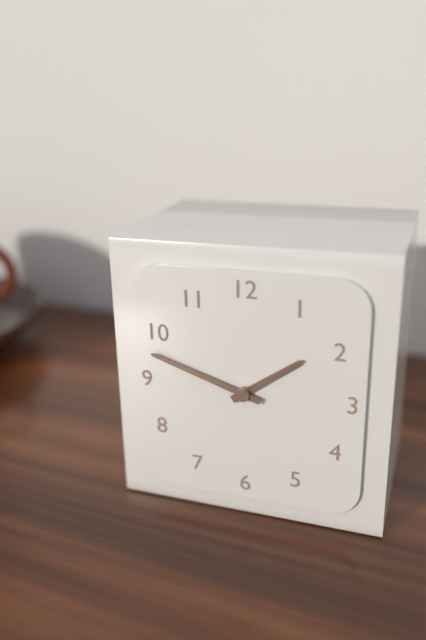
1:48
